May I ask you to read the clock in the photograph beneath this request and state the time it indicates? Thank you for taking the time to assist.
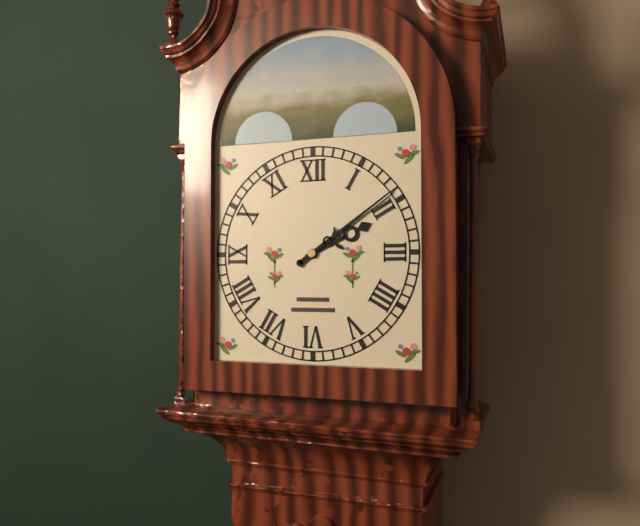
2:09
